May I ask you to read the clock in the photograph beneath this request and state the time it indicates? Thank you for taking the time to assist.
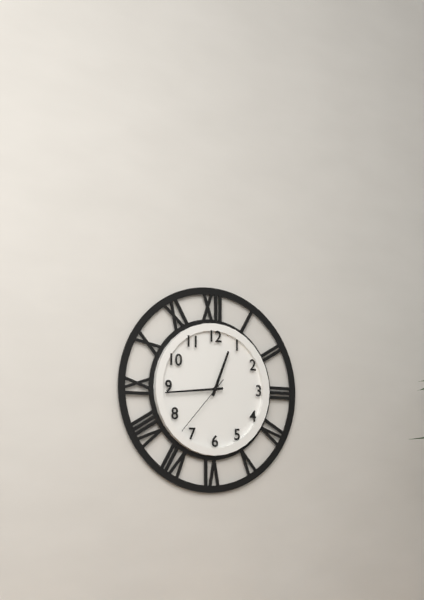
12:44:37
